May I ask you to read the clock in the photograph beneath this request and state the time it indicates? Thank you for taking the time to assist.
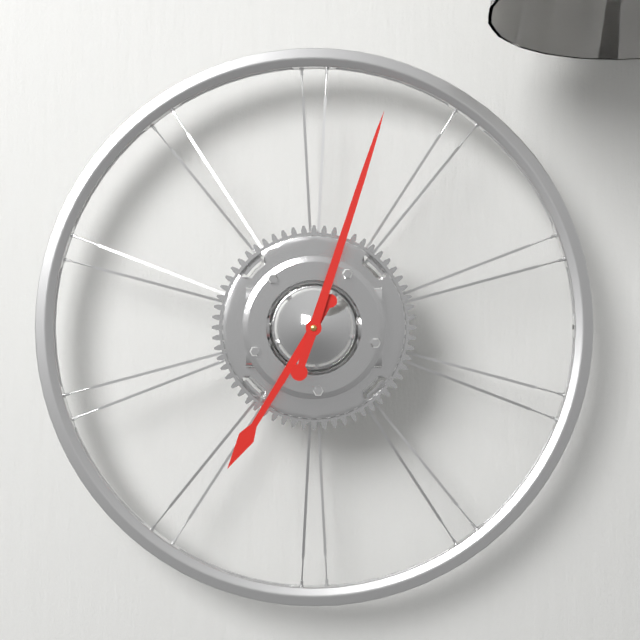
7:03
